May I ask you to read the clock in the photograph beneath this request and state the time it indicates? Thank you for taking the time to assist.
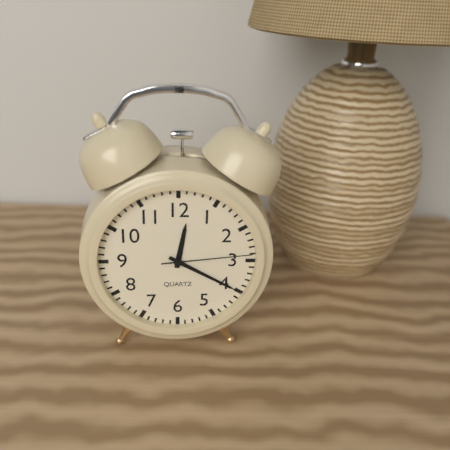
12:20:14
